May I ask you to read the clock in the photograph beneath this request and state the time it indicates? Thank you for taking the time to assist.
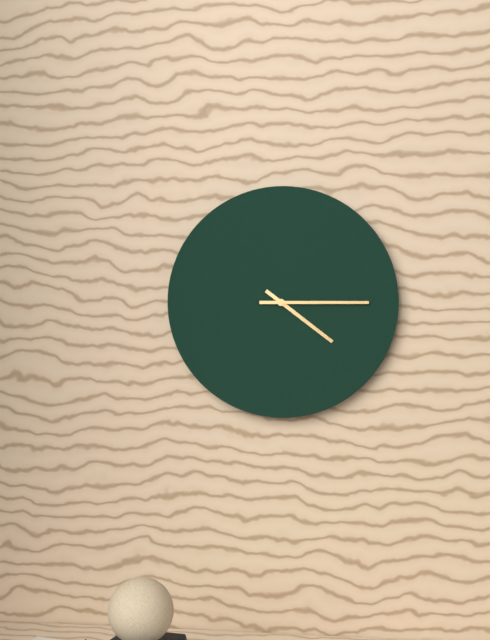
4:15
